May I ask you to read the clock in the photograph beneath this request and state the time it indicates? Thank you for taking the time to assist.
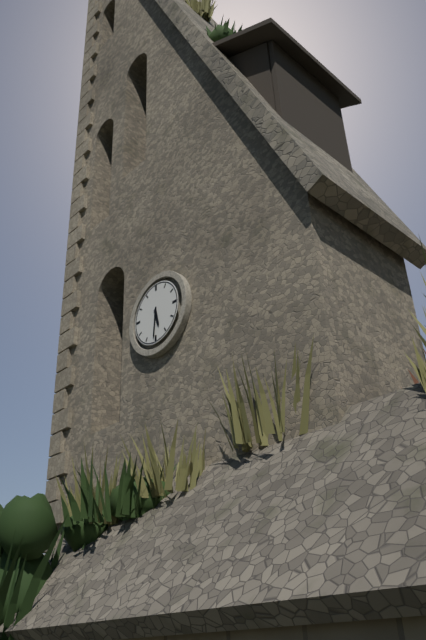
5:31
